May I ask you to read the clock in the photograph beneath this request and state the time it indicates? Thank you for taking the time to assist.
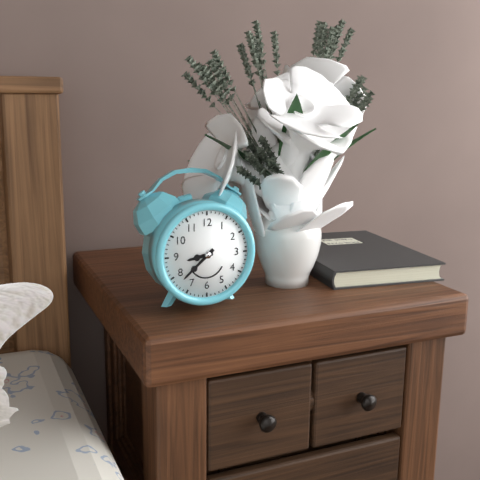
8:38
